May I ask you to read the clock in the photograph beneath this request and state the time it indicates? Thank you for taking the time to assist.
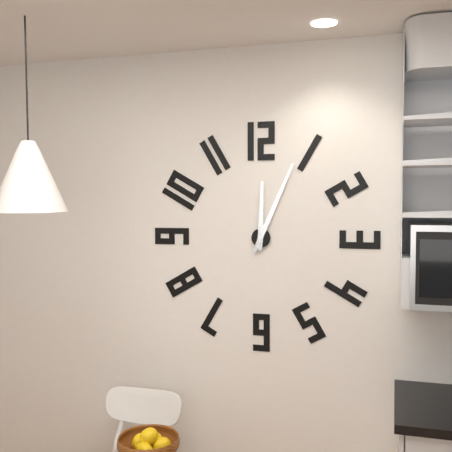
12:04
